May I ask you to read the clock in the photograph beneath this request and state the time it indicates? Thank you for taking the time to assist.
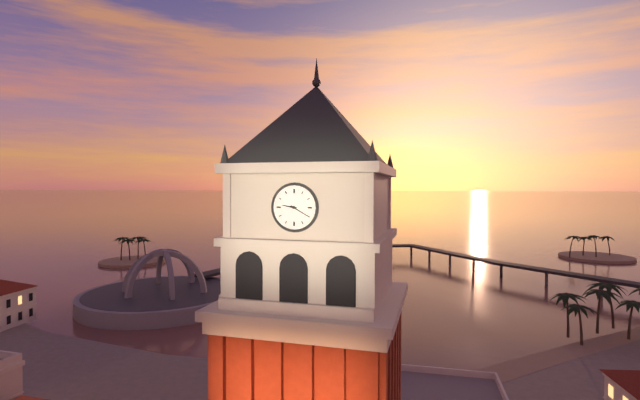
9:20
